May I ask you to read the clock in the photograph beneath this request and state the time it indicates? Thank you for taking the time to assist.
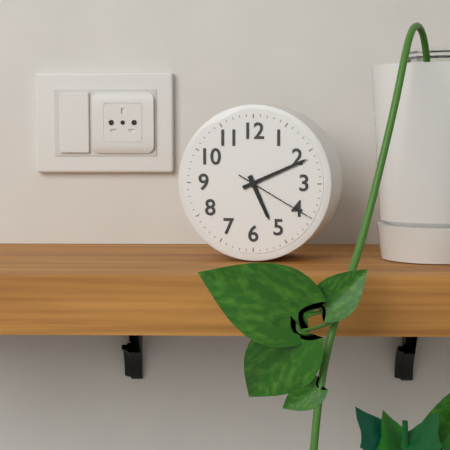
5:11:20
